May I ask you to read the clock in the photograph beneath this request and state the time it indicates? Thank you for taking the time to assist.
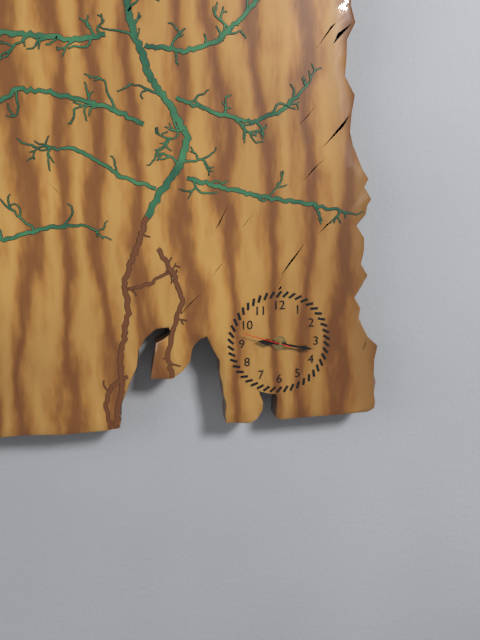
9:17
